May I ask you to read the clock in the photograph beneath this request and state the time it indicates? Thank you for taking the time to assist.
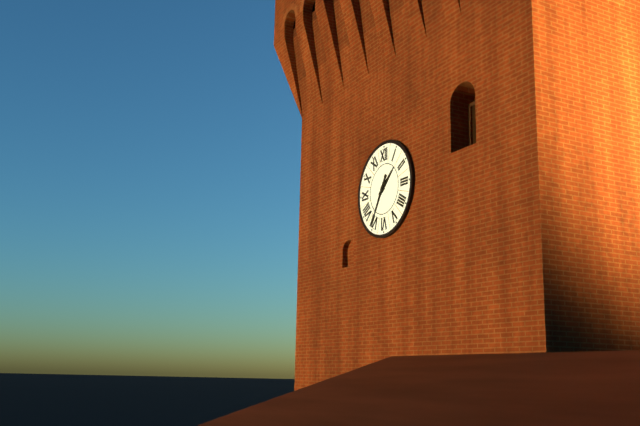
1:35
